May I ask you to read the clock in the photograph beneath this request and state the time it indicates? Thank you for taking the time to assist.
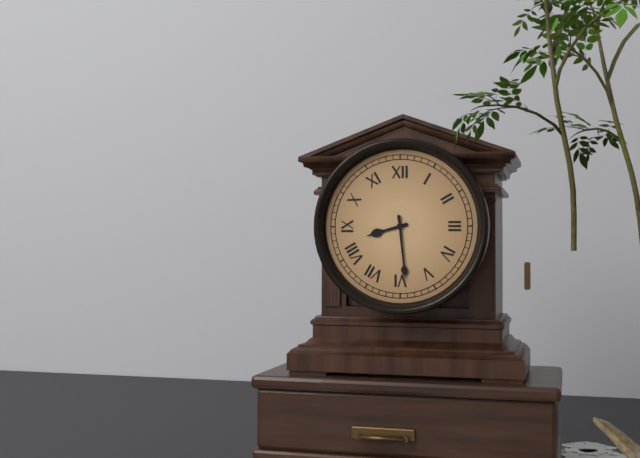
8:29
